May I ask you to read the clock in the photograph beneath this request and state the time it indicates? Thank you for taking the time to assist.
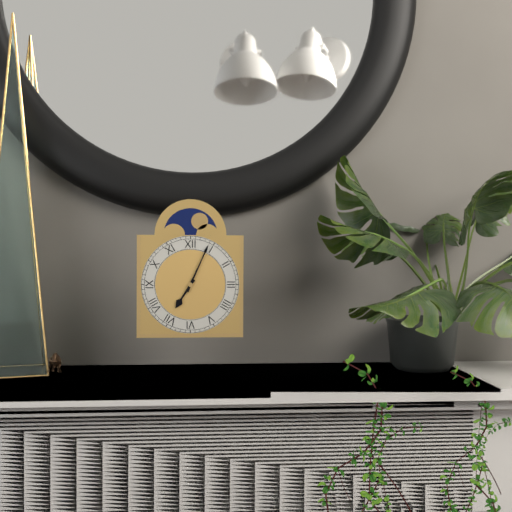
7:04
